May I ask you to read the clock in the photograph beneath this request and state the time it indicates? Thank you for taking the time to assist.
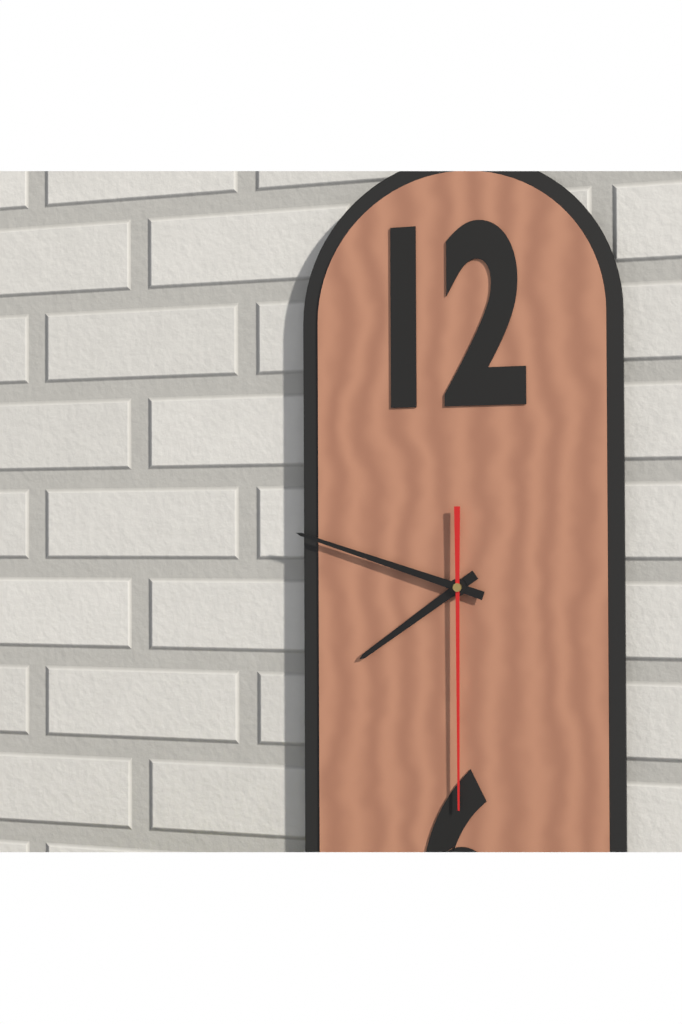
7:48:30
